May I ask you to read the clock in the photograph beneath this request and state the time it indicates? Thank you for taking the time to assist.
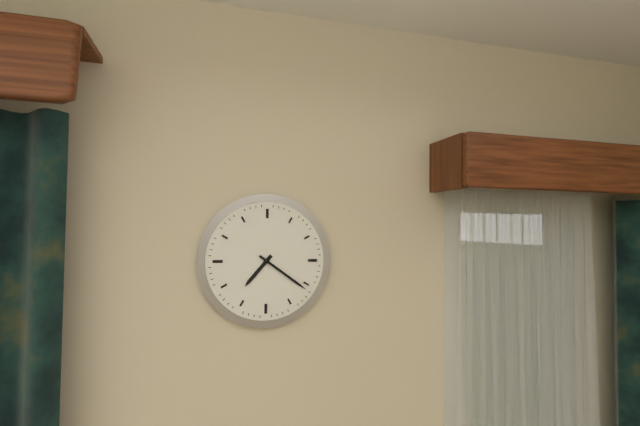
7:21
